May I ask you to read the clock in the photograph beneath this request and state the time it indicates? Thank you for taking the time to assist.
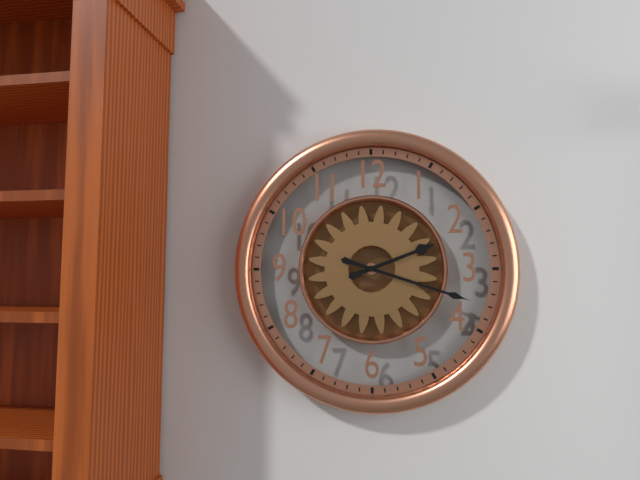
2:18
